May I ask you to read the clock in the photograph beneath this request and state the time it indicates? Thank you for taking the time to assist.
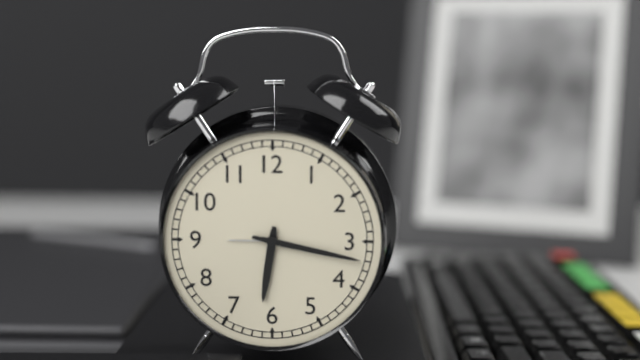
6:17
